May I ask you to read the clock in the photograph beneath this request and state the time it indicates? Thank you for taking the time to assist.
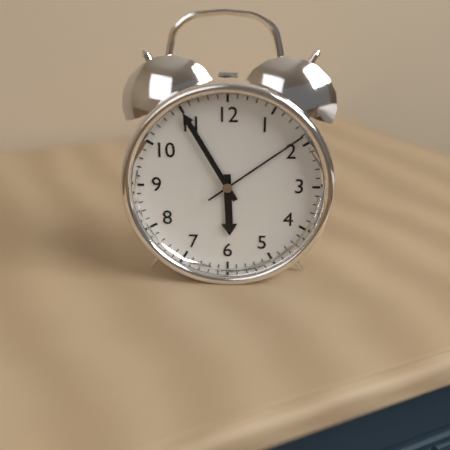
5:55:09
